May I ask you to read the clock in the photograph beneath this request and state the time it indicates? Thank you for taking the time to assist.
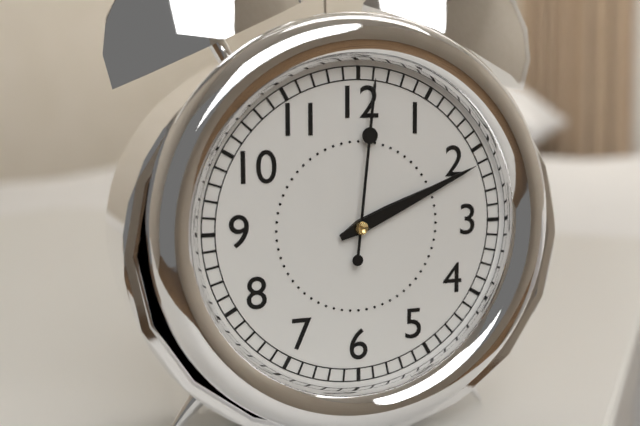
2:11:01
